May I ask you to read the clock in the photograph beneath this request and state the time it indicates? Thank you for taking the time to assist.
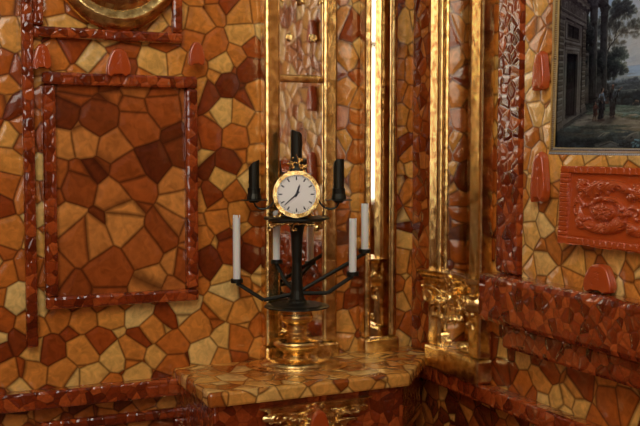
12:38
